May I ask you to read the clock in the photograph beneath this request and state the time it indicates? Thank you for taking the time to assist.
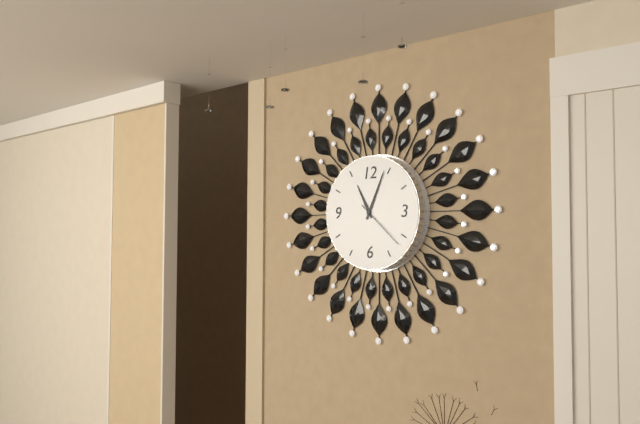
11:04:22
